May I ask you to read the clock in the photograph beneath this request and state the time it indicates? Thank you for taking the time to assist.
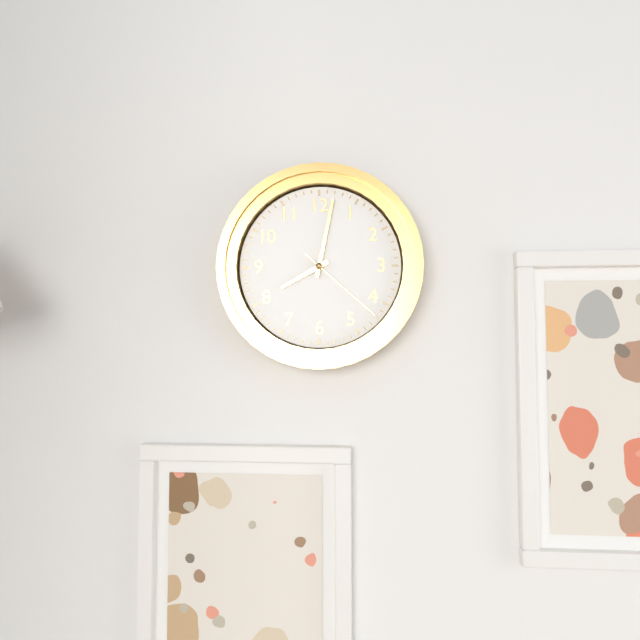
8:02:22
